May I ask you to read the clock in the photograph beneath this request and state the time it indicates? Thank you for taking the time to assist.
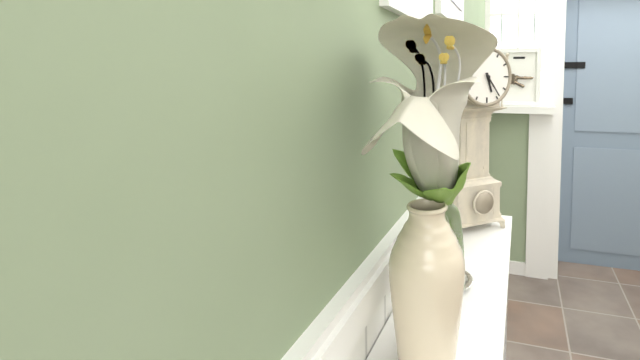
5:24
